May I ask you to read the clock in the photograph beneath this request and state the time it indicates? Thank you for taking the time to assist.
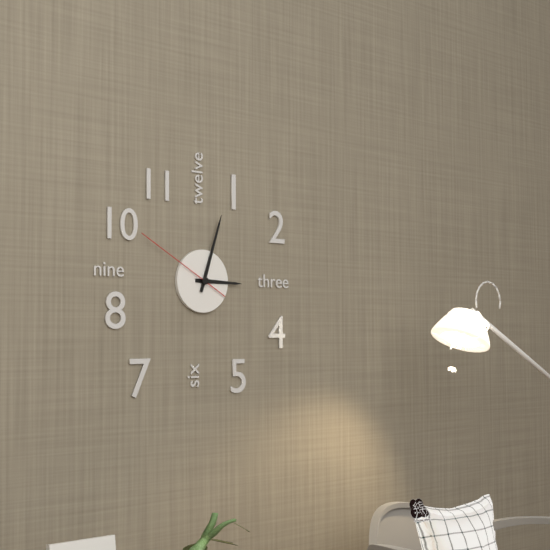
3:03:50
